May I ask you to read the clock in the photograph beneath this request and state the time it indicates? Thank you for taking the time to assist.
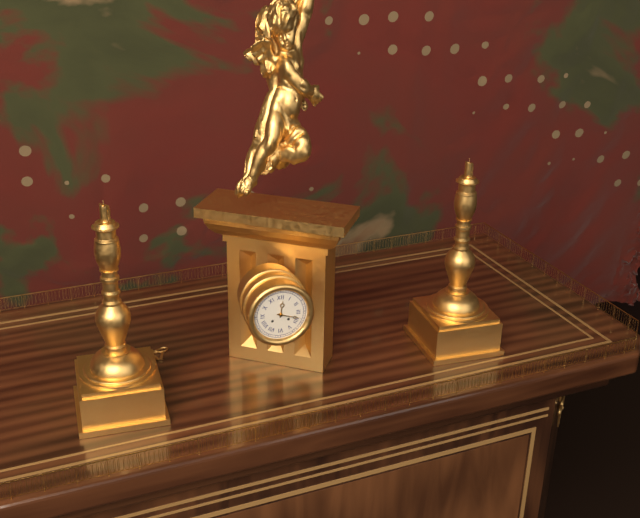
12:18
